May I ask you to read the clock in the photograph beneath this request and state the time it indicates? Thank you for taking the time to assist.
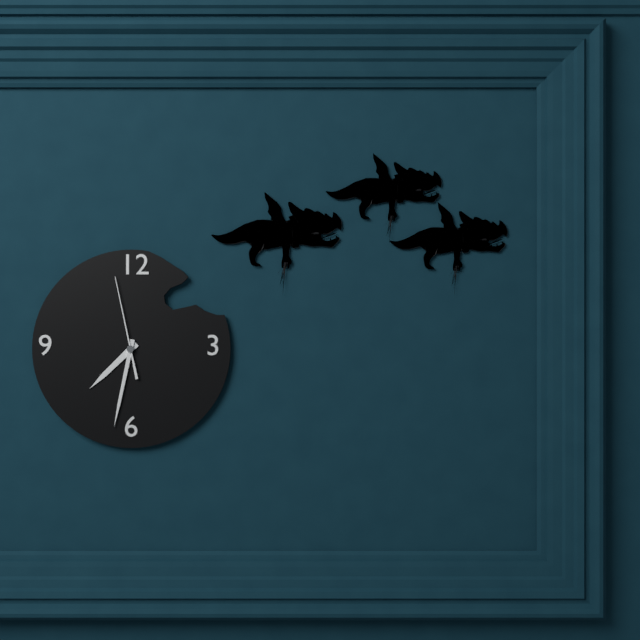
7:32:58
